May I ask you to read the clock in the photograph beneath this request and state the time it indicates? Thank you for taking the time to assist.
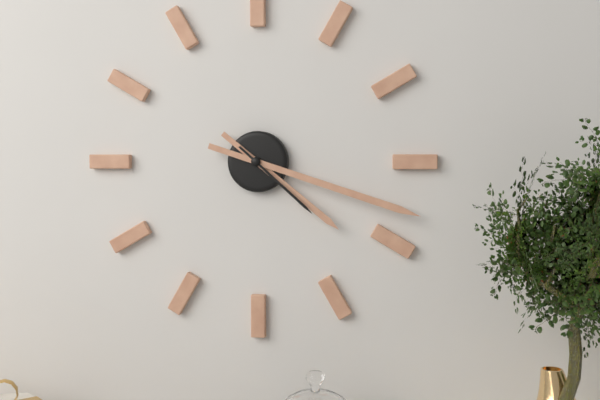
4:18:22
